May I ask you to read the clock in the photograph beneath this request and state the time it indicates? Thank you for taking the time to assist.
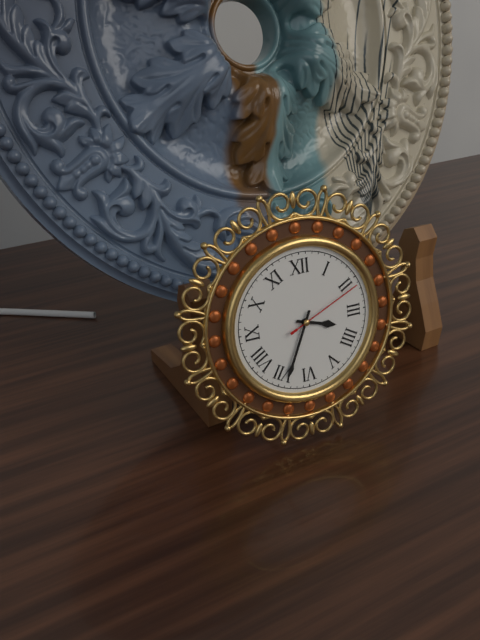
3:34:11
